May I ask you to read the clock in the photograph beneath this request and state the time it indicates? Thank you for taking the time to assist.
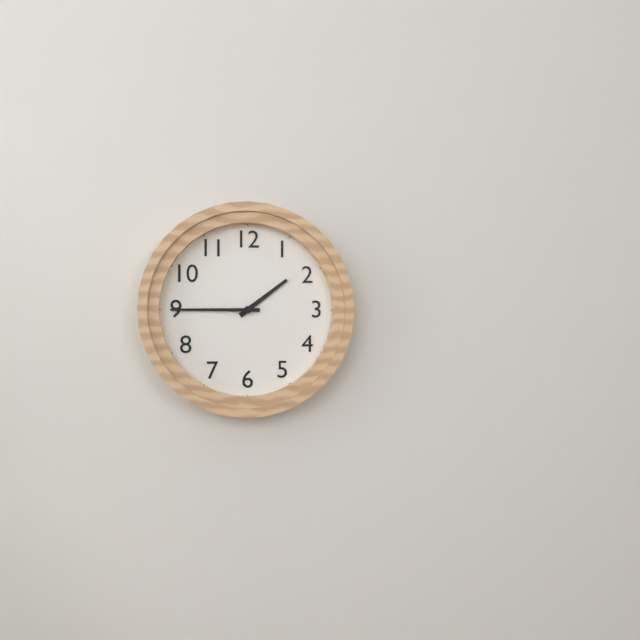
1:45
